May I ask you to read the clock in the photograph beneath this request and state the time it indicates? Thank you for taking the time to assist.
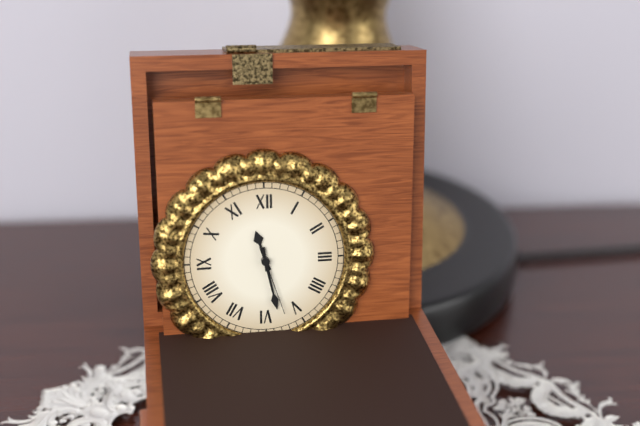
11:28:27
